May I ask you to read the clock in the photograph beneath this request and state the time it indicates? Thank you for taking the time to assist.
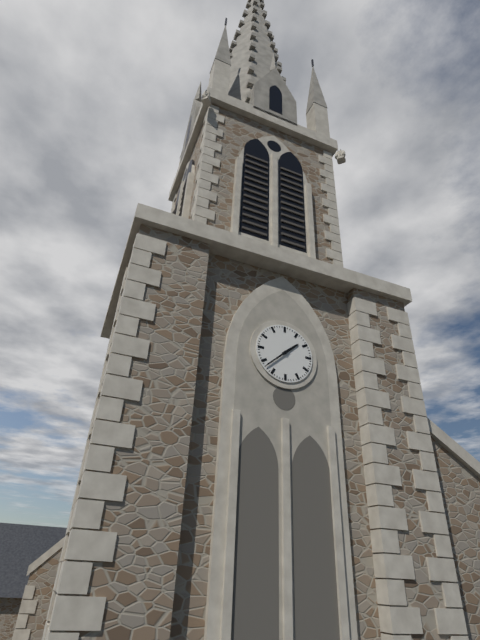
1:38
